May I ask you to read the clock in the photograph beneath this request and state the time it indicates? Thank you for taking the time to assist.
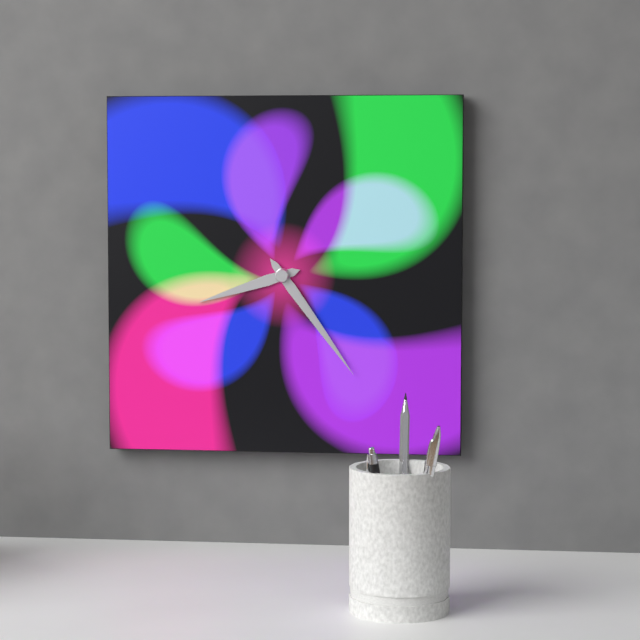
8:24
